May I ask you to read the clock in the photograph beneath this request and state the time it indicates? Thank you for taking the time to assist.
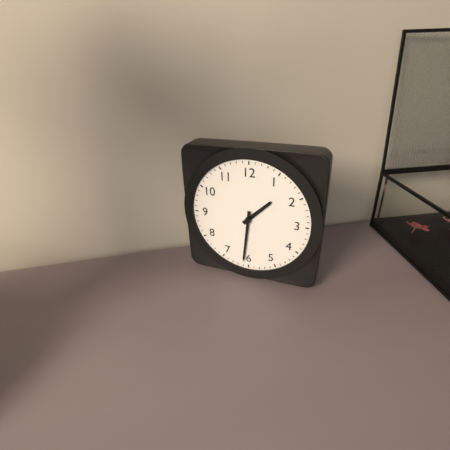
1:31
